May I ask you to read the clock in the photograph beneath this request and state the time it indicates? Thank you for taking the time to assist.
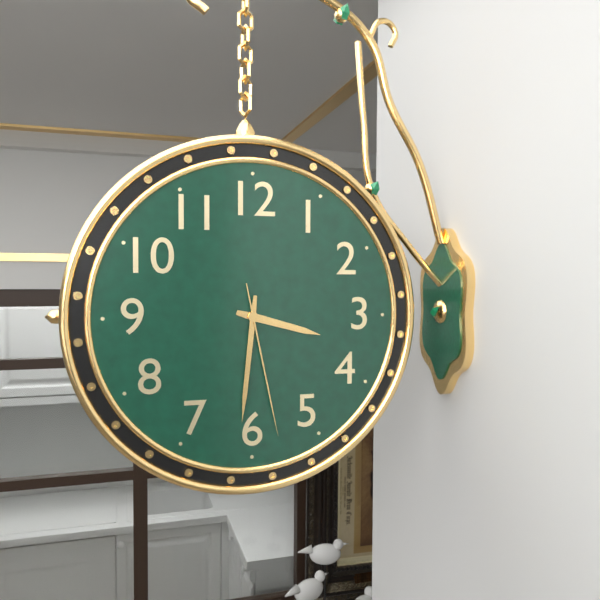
3:31:28
